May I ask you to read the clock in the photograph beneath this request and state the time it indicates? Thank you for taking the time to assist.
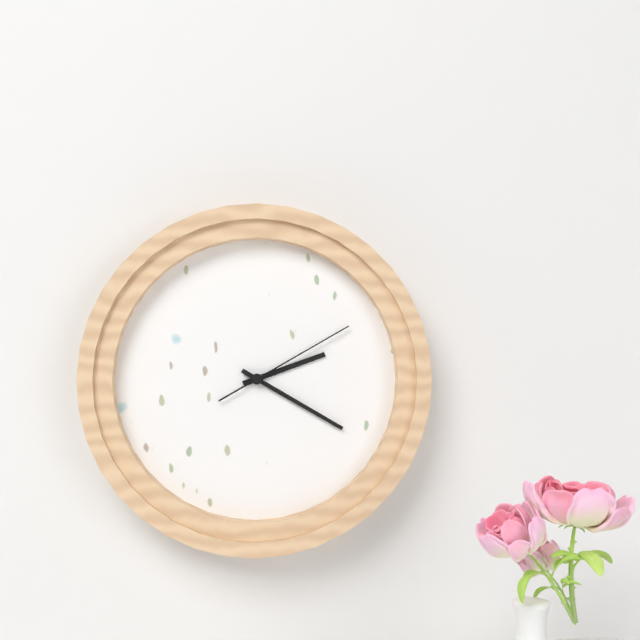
2:20:10
